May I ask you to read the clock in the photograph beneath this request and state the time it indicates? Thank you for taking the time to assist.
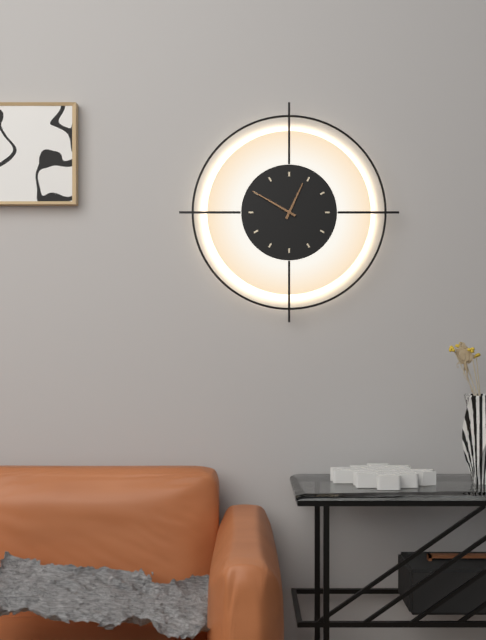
12:50
